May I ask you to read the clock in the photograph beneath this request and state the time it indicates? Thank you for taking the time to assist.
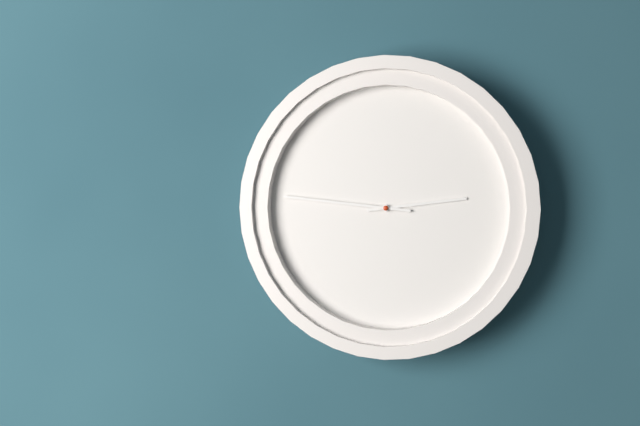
2:46
